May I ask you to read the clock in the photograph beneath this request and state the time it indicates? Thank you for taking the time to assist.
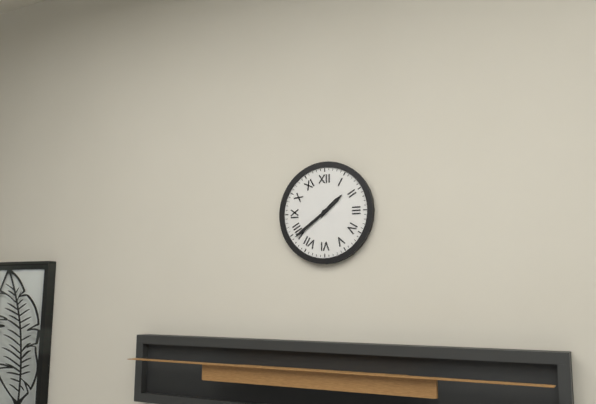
1:39
